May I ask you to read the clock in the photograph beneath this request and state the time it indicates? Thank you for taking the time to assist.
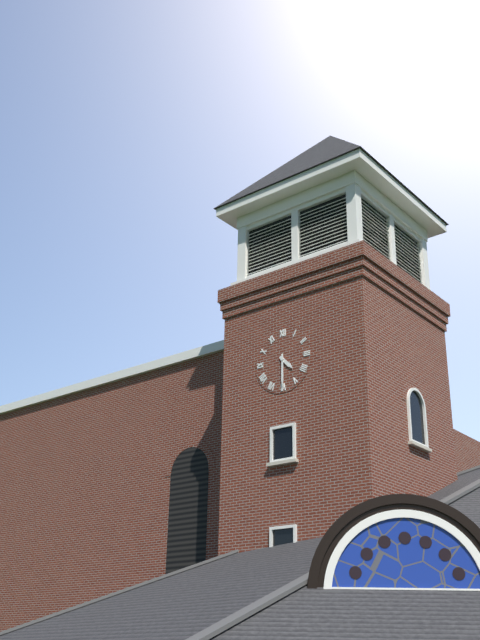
4:30
